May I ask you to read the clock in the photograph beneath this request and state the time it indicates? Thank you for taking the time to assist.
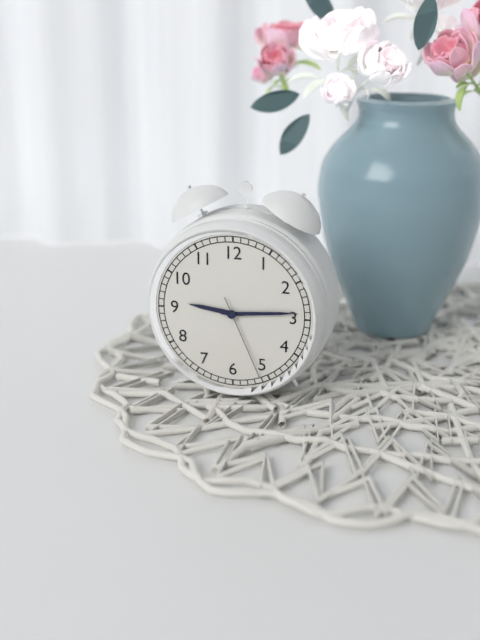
9:14:26
